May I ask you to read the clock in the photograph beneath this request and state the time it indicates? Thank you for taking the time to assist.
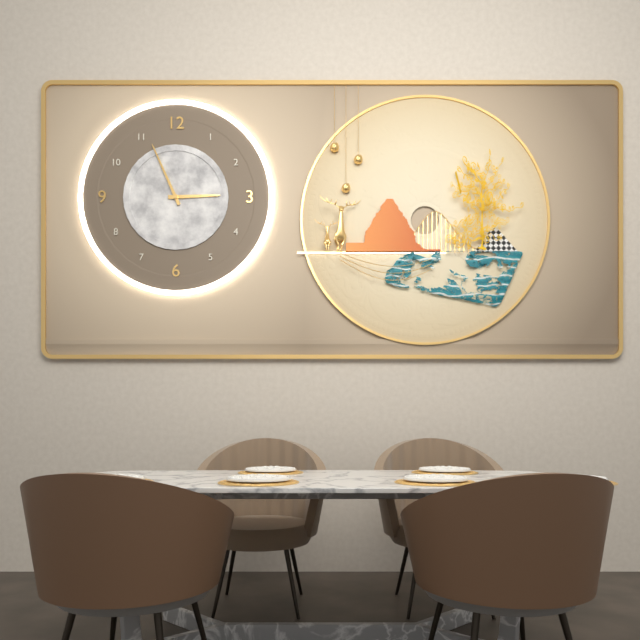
2:56
